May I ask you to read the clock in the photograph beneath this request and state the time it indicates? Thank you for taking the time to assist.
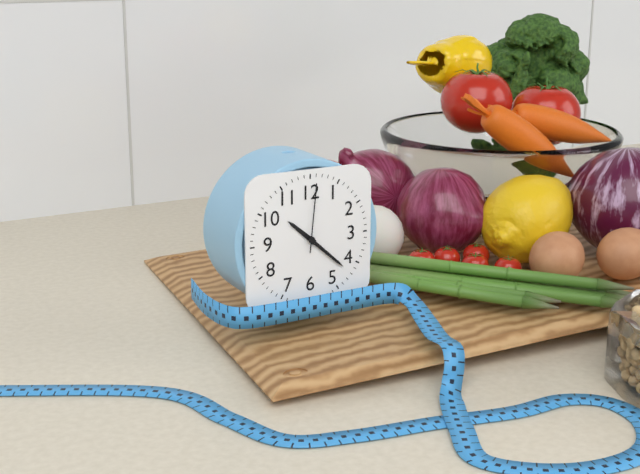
10:22:01
